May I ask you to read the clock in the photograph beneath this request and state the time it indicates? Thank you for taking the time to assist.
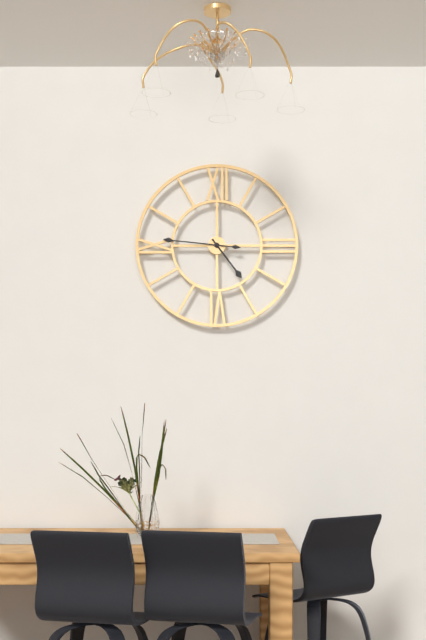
4:46
